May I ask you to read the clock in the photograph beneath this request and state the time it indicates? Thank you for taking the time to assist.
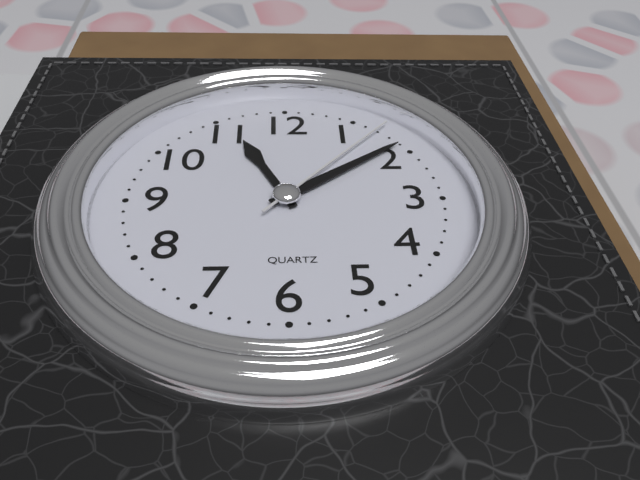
11:09:07
